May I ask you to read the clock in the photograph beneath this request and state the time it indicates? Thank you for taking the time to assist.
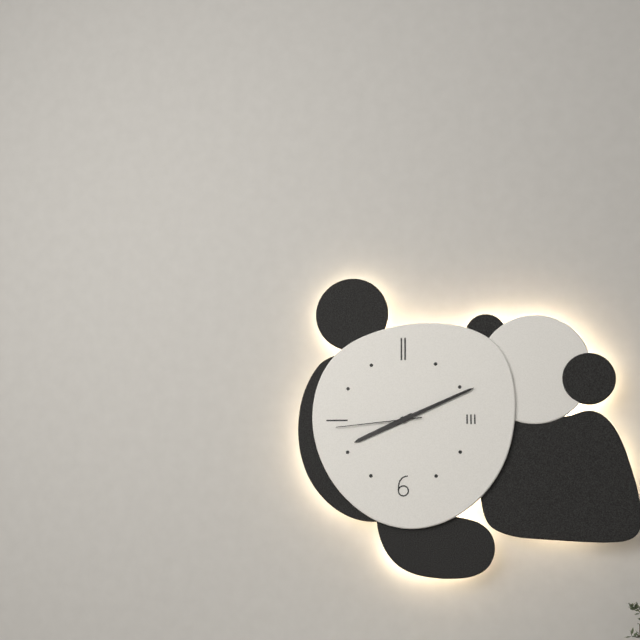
8:11:44
